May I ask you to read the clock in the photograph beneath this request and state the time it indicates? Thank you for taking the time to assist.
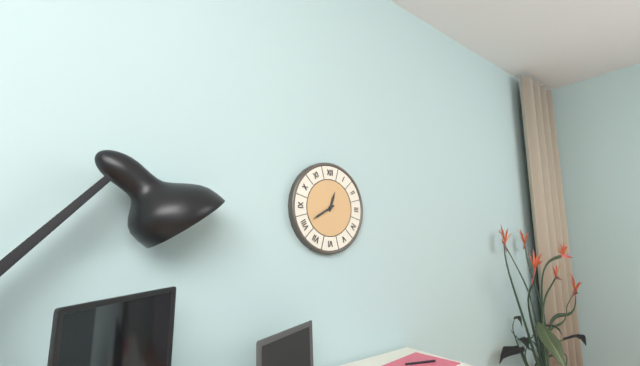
12:40
